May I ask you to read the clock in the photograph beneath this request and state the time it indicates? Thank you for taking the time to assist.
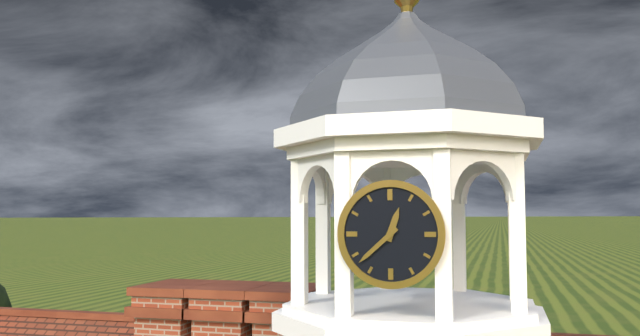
12:38
